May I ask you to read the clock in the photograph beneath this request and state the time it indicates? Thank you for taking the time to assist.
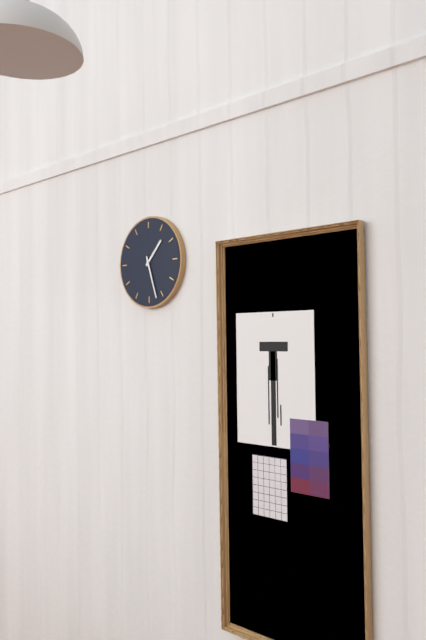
1:27
